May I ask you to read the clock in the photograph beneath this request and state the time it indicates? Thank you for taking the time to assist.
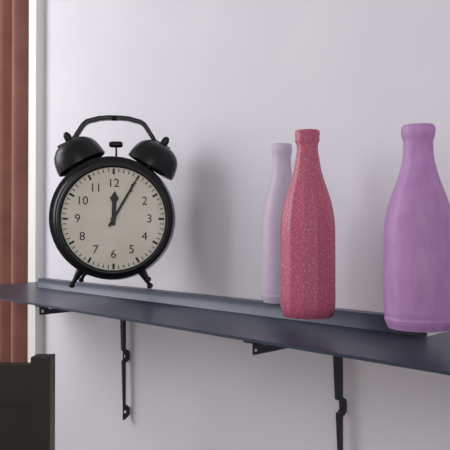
12:05
